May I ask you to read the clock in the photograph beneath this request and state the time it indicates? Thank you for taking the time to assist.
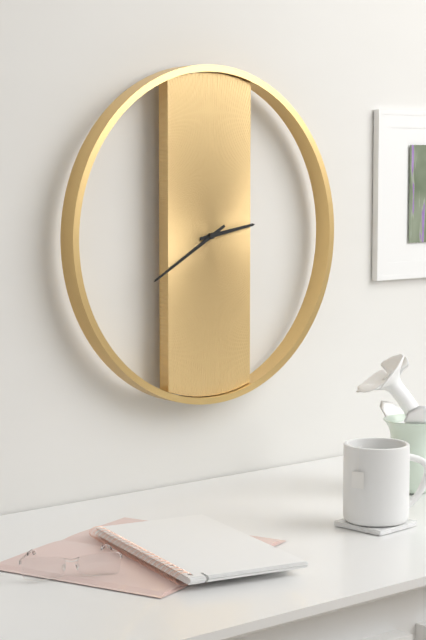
2:40
